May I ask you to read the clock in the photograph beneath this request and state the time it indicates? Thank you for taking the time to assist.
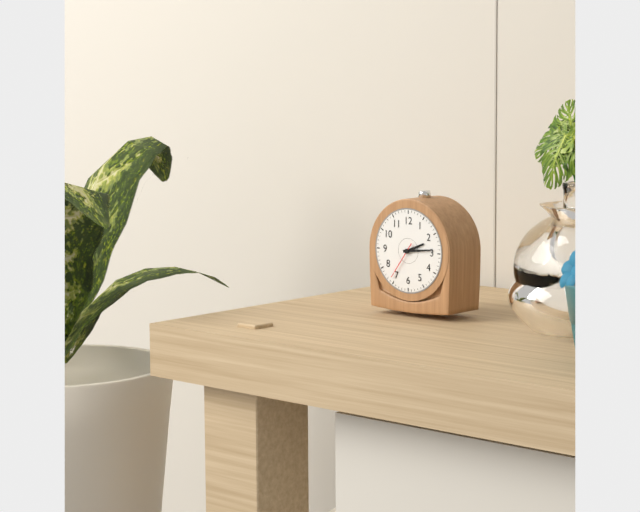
2:14
